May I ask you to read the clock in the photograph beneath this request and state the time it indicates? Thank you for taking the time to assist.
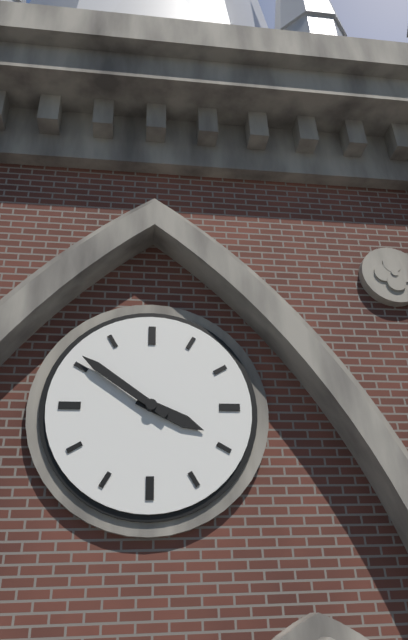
3:51
